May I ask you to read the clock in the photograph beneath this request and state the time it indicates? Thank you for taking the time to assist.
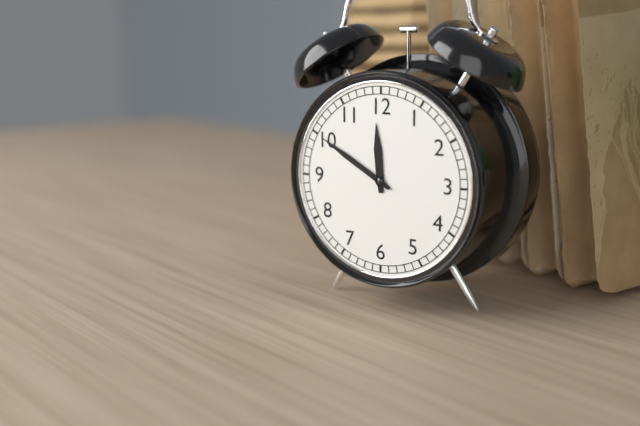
11:50
